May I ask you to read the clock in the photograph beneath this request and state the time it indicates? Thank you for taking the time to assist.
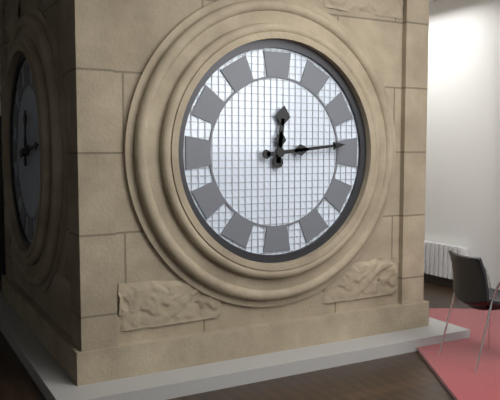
12:14
